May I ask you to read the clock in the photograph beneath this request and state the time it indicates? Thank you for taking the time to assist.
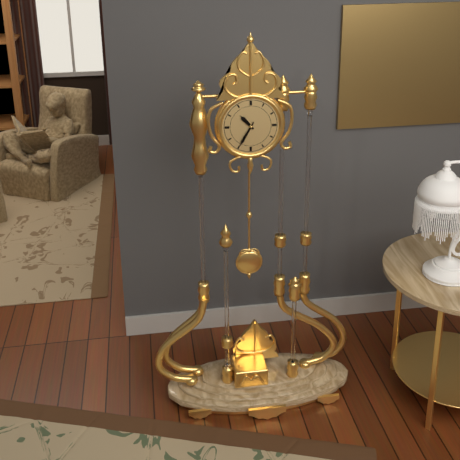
10:35
